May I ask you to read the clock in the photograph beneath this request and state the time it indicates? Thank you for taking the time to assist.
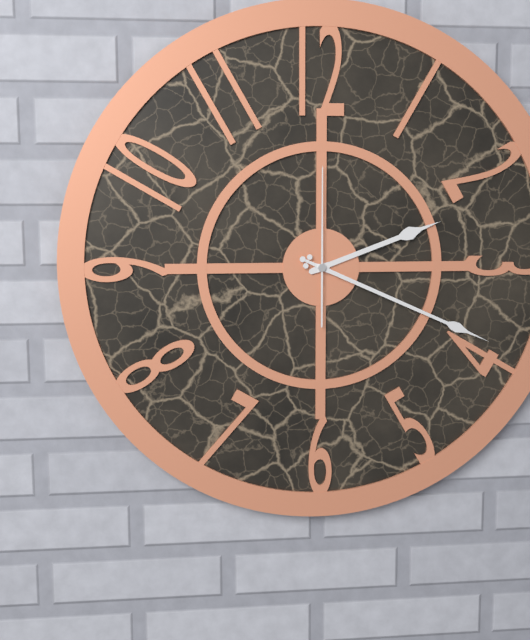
2:19:00
